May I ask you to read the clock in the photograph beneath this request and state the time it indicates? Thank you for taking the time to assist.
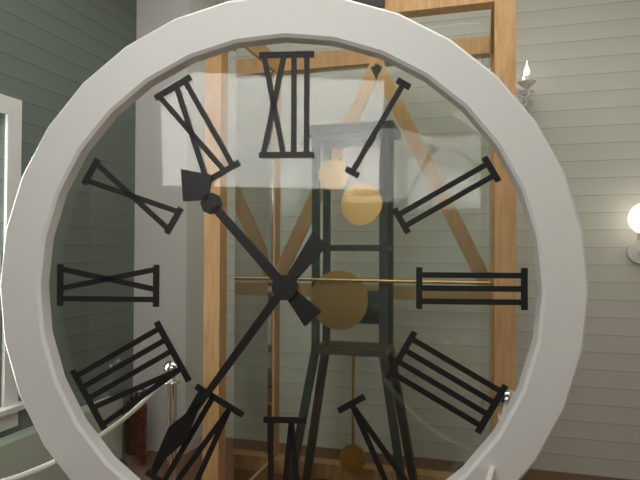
10:36
